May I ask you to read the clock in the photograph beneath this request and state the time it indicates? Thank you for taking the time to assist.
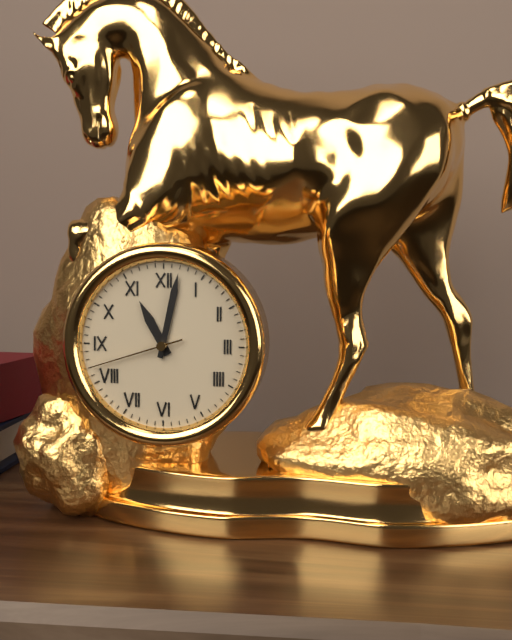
11:02:42
